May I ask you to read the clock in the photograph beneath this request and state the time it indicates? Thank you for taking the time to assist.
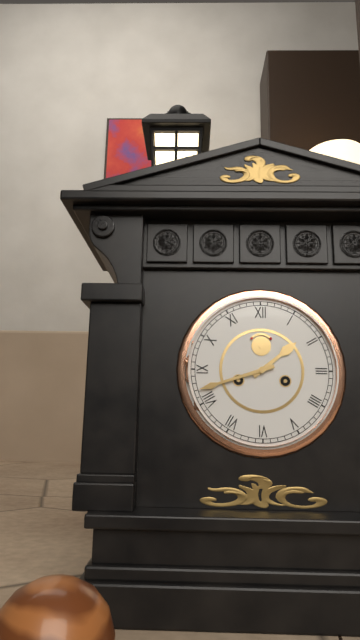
1:42
